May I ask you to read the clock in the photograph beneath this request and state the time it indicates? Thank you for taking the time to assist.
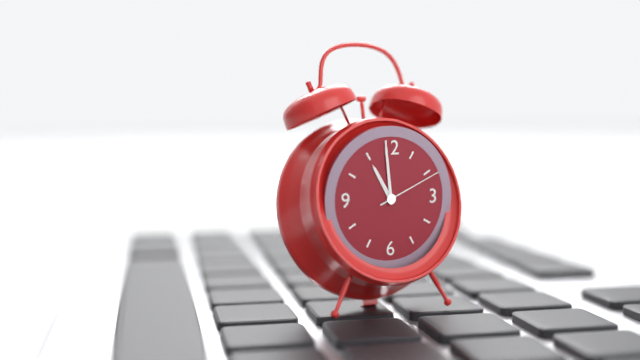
10:59:11
